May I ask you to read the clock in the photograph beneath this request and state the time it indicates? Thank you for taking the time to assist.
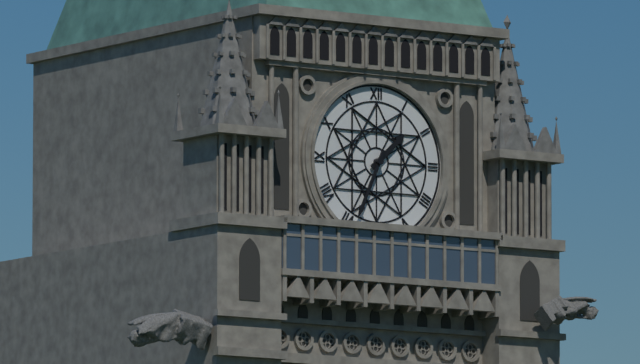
1:34
